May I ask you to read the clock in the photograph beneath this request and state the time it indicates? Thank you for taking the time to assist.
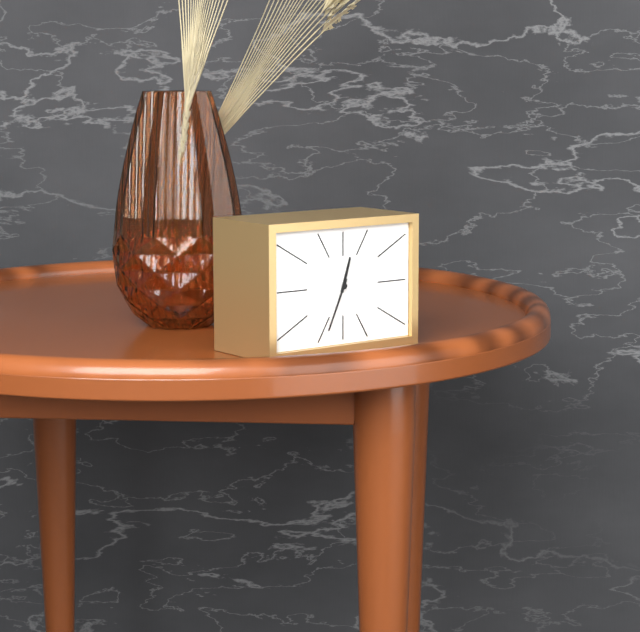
12:34
